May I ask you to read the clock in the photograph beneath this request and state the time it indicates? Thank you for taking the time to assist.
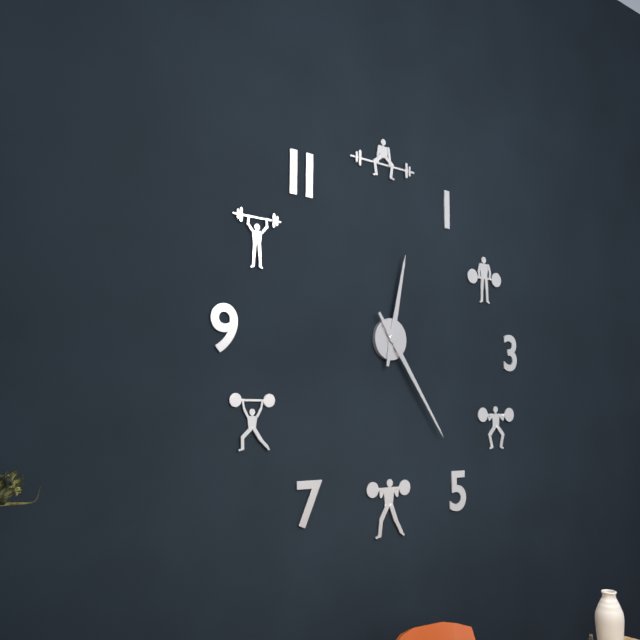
12:24
